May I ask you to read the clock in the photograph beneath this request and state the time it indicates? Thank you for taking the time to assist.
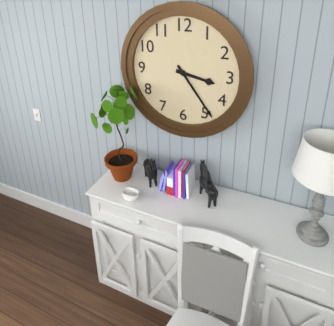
3:24
